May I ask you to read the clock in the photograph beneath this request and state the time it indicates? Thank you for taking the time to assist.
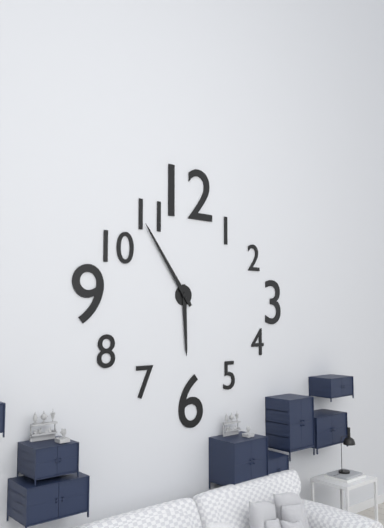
5:54
